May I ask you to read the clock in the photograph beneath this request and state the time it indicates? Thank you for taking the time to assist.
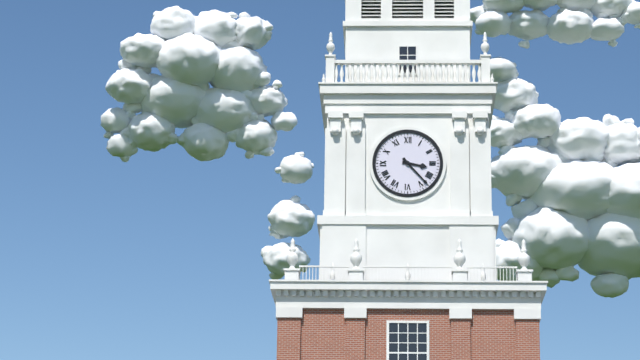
3:23
